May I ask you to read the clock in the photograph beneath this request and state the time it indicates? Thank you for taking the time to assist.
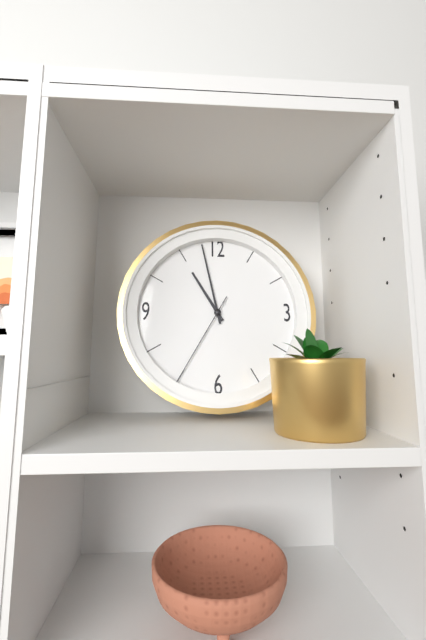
10:58:35
